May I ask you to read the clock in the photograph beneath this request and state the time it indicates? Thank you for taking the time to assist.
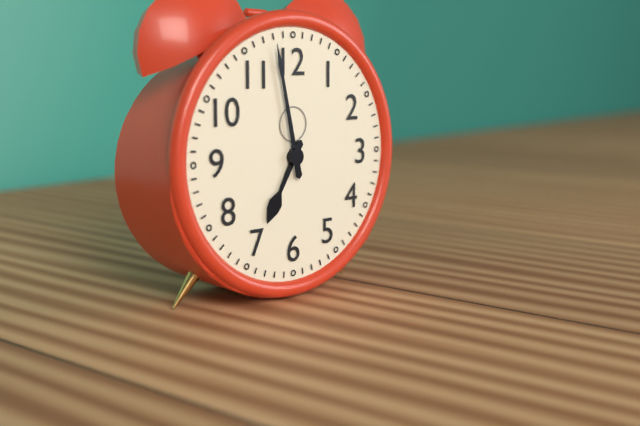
6:58
